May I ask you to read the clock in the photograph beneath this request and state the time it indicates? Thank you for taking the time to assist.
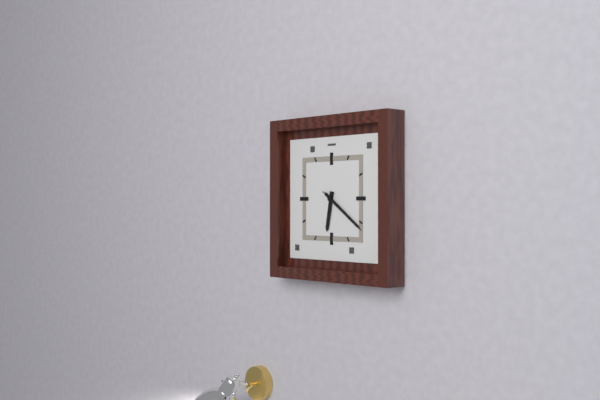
6:21:21
